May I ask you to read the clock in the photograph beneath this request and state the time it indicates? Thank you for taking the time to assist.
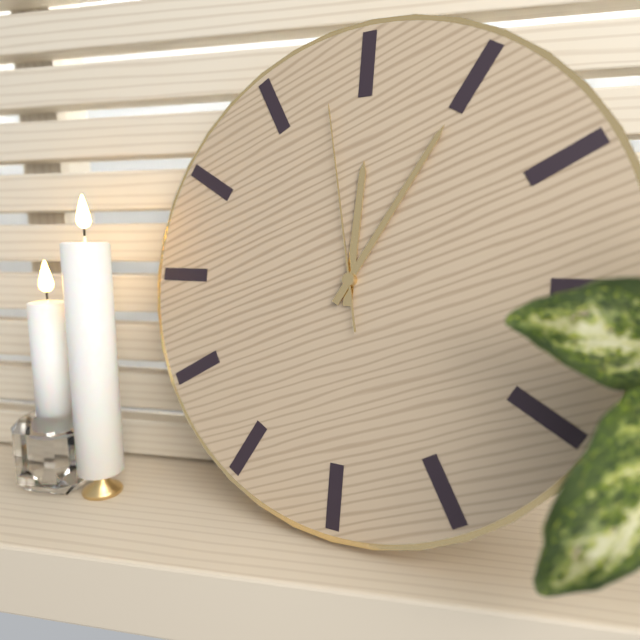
12:05:58
